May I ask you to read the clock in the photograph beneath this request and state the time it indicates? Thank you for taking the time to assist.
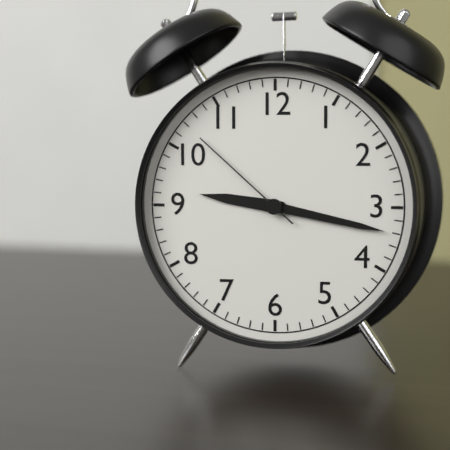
9:17:52
